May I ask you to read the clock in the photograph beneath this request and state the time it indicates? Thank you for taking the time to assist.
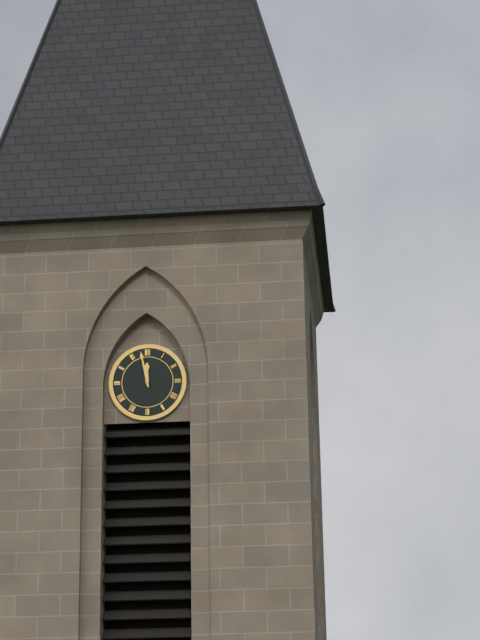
11:58
